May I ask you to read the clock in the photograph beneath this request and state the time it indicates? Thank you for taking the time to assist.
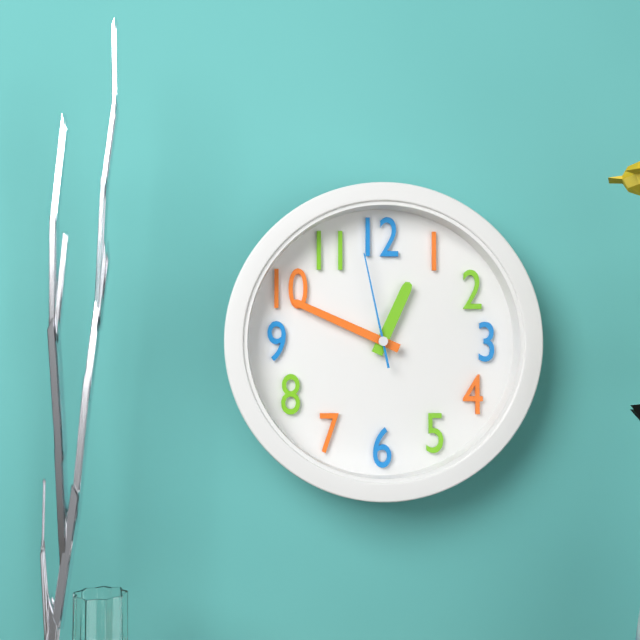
12:49:58
